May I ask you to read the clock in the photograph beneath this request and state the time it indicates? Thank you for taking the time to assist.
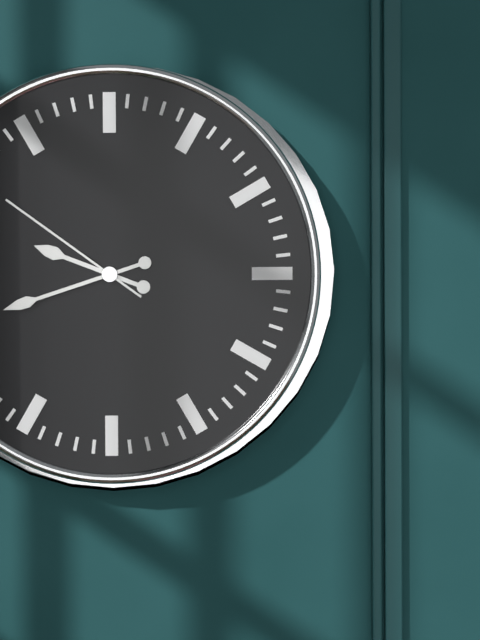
9:42:51
